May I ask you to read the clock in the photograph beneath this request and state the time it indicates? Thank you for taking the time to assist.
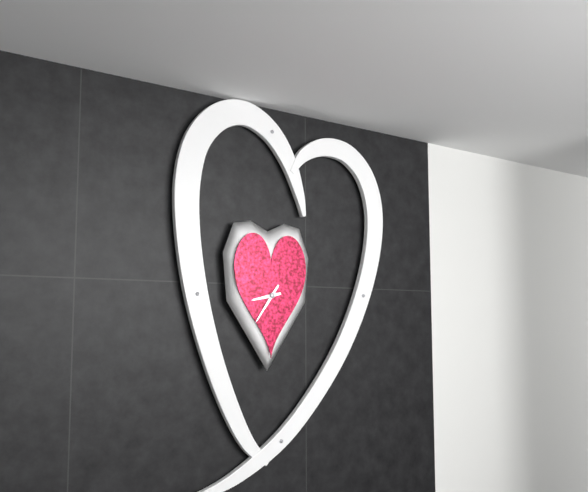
8:36
